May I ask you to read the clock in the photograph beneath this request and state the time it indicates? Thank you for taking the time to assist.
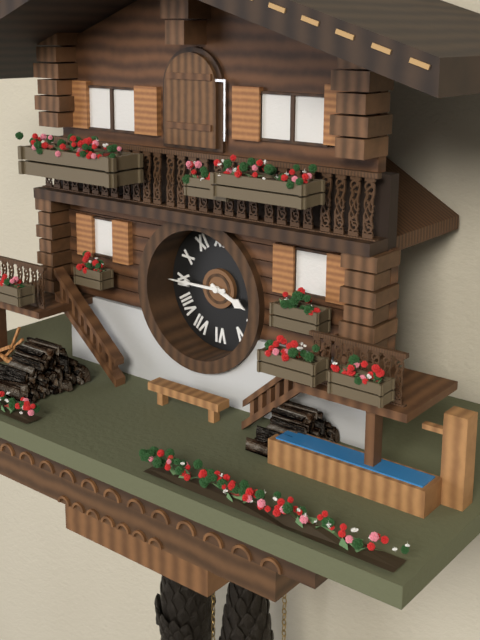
3:45
